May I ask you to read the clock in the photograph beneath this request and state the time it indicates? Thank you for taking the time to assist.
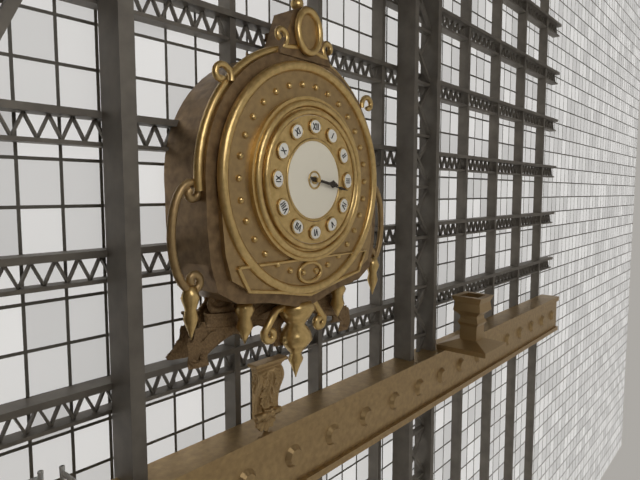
3:17
